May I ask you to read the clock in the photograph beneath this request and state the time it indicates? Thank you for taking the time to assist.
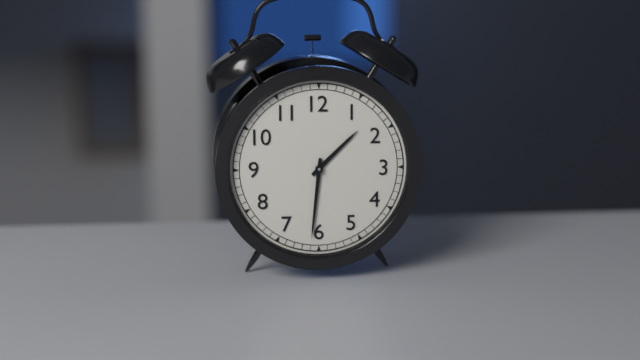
1:31
